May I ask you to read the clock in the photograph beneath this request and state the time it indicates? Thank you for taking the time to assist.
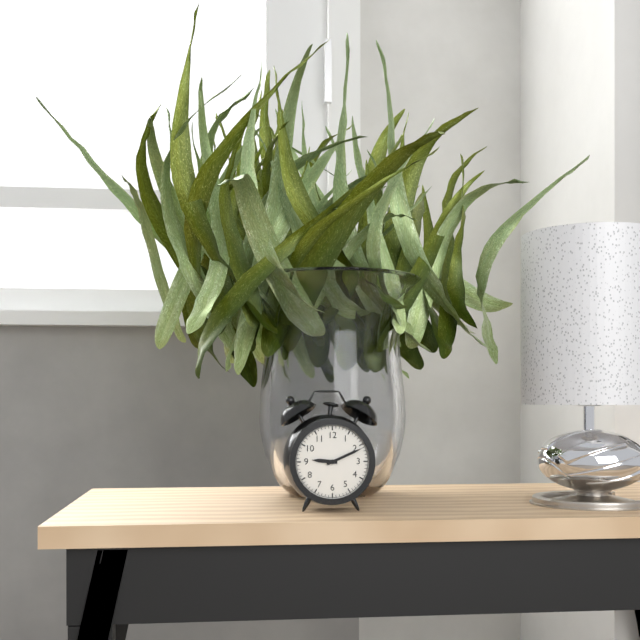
9:11
